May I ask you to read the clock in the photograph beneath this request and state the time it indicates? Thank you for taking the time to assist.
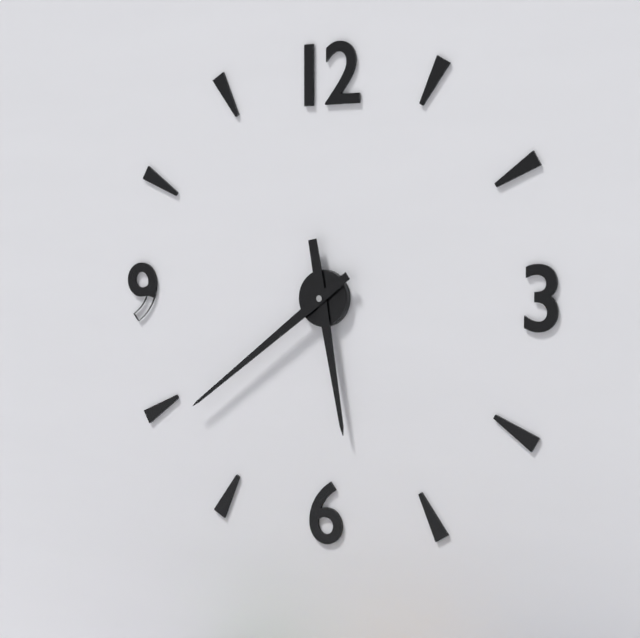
5:39
